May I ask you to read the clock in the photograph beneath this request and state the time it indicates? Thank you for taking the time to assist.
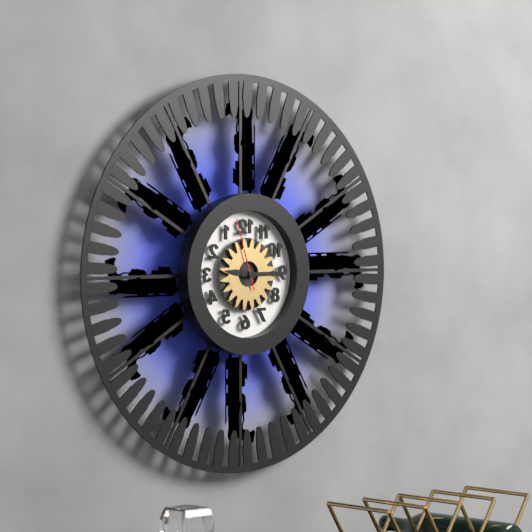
9:15:57
